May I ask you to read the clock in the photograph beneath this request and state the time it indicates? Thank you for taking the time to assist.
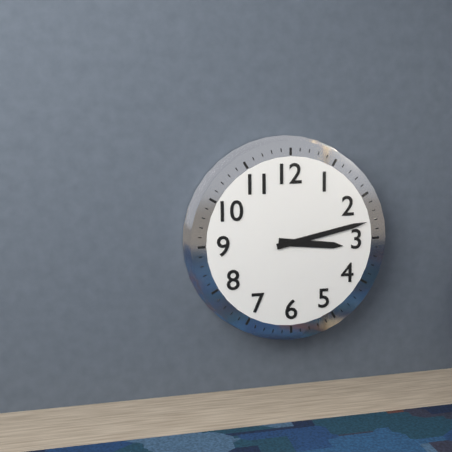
3:13
